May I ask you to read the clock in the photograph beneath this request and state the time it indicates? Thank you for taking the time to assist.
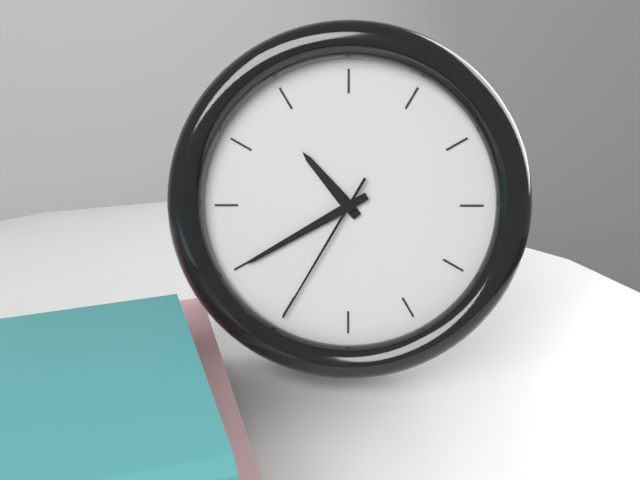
10:40:35
